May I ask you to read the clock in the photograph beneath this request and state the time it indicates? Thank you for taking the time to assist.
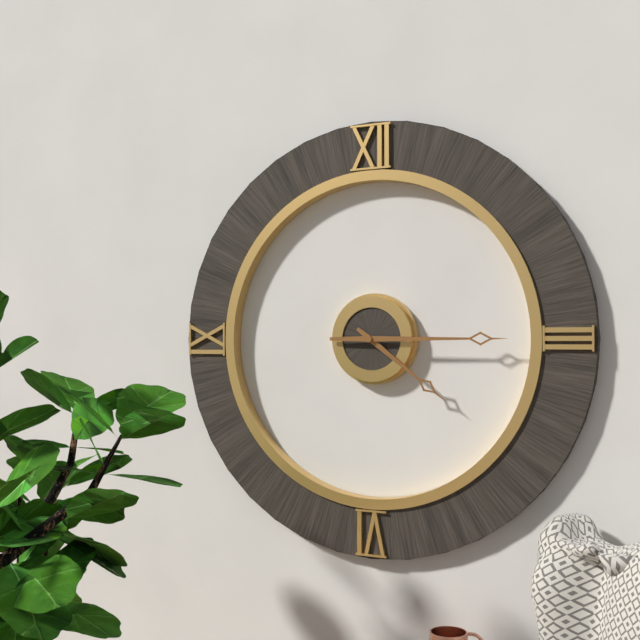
4:15
